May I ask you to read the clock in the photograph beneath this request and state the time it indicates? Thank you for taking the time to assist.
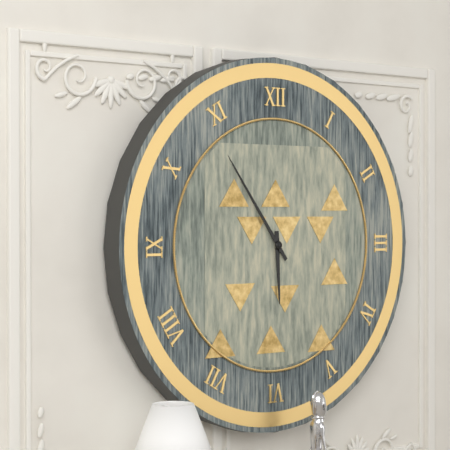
5:54
